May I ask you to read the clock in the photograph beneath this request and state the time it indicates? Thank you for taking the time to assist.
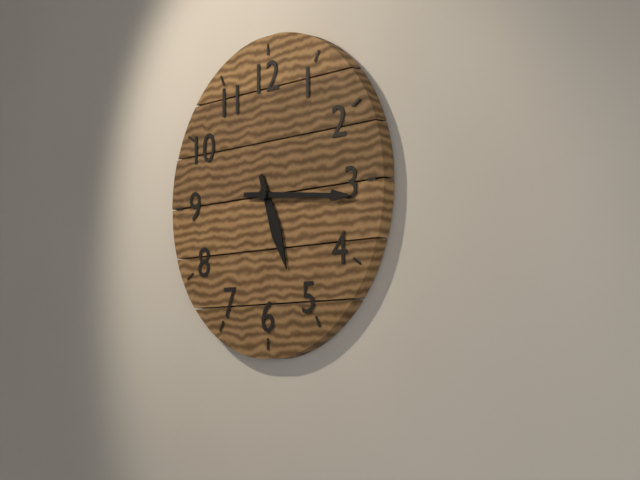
5:16
